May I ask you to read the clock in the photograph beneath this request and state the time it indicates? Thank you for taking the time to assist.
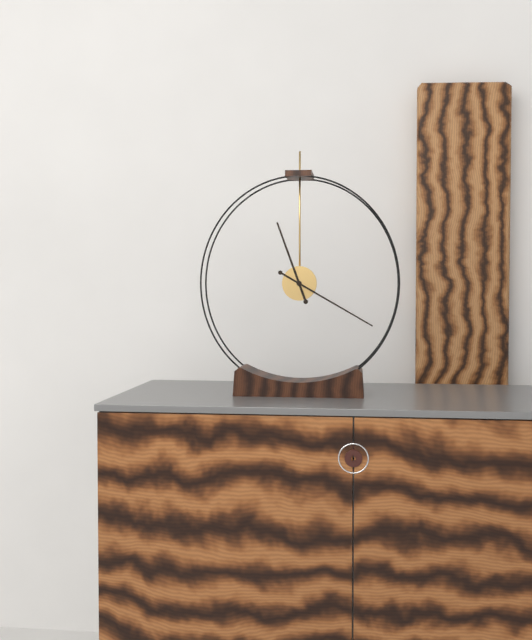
11:20
